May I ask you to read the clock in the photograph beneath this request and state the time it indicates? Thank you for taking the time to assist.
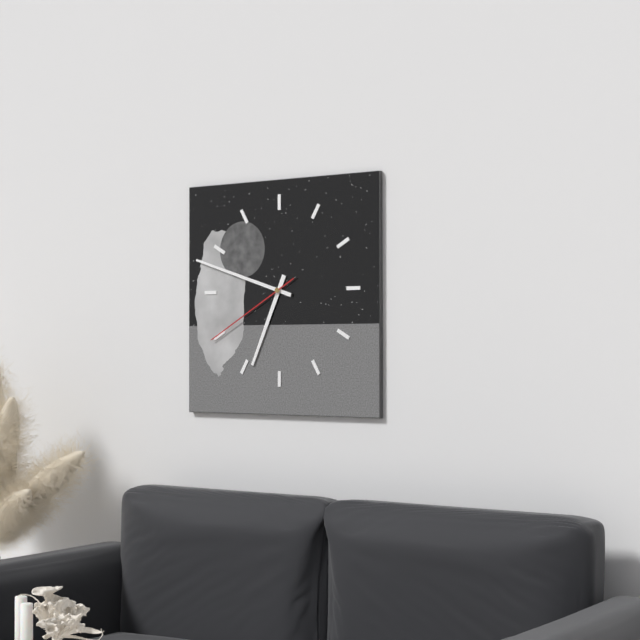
6:48:40
